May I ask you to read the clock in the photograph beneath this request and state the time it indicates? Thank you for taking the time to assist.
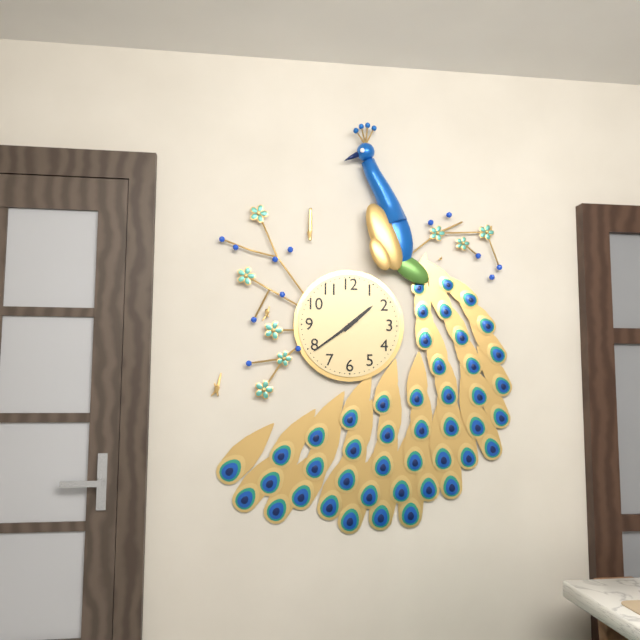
1:39
